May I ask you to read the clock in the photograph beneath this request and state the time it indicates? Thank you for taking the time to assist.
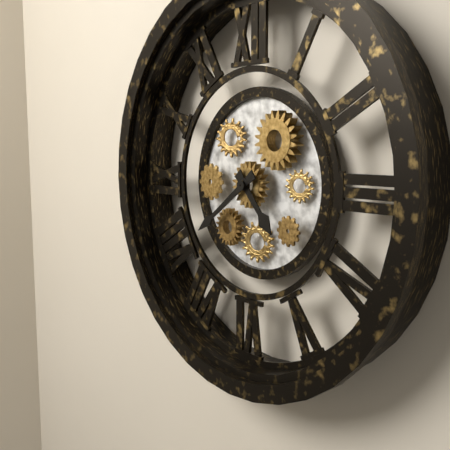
4:39
